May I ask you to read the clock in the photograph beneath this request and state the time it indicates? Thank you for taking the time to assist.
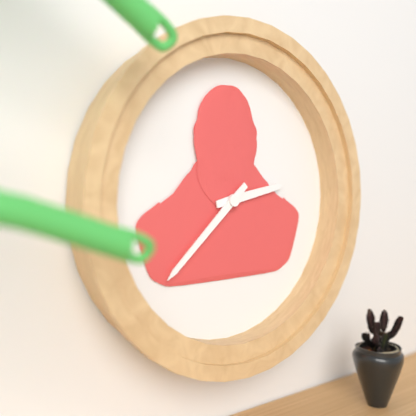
2:38
